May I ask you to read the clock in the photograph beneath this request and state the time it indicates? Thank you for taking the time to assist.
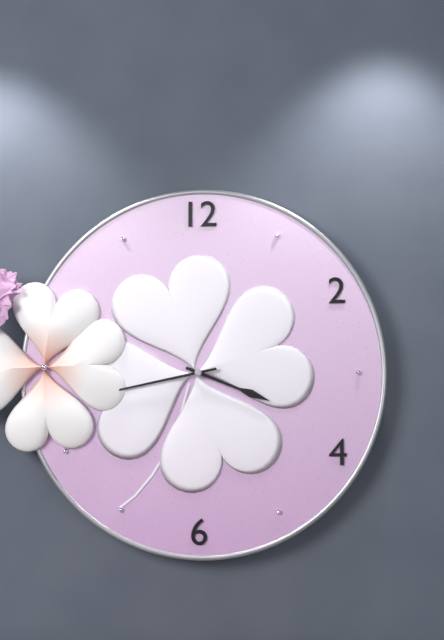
3:43
